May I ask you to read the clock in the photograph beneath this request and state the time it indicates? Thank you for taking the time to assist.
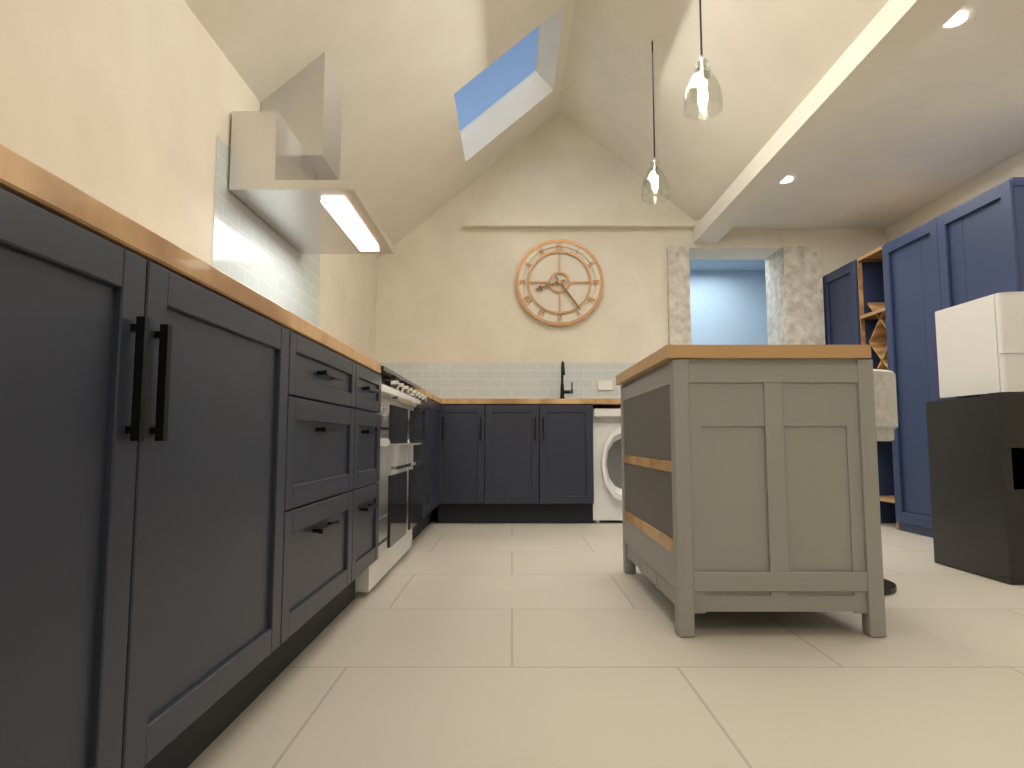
8:24
